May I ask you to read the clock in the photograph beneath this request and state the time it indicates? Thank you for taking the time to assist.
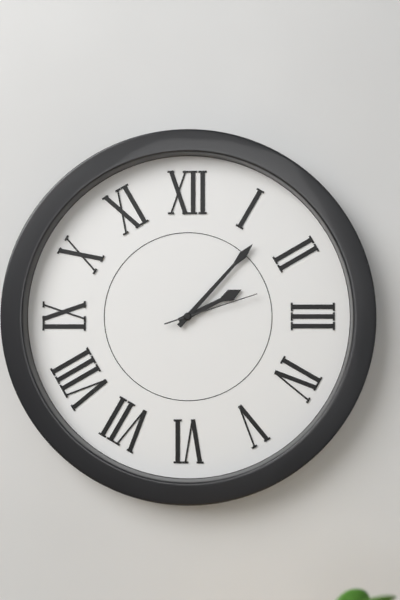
2:07:12
